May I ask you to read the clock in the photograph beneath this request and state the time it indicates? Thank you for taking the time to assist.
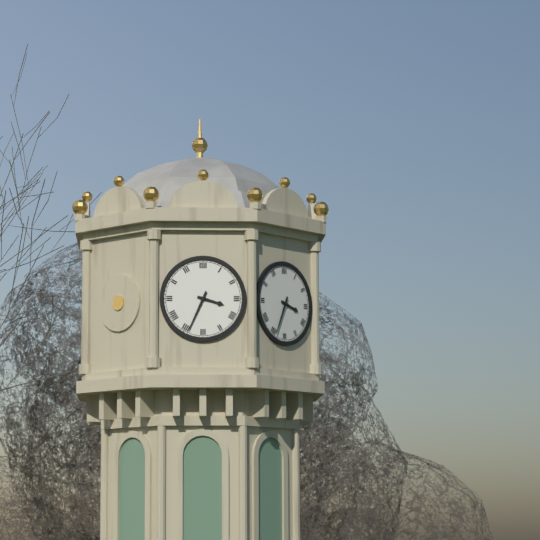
3:34
